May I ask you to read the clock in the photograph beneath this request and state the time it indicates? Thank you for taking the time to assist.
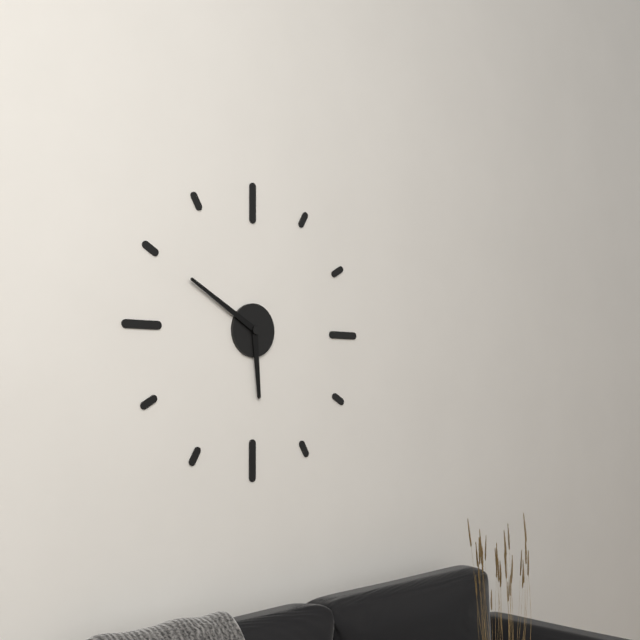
5:50
